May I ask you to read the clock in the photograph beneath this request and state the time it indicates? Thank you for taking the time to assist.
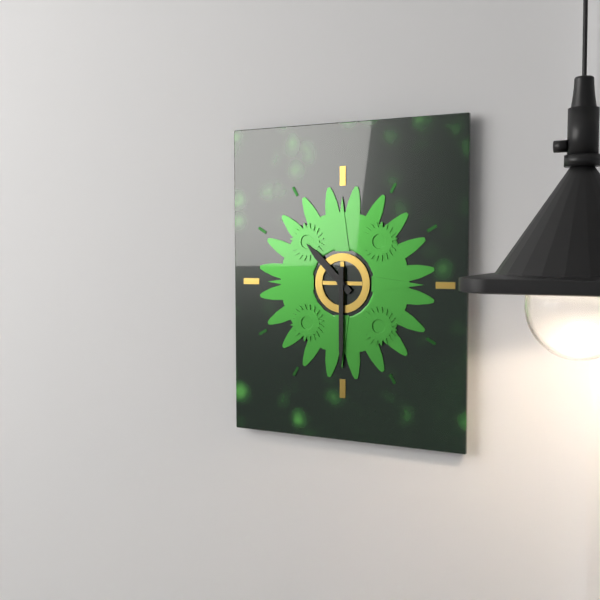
10:30
